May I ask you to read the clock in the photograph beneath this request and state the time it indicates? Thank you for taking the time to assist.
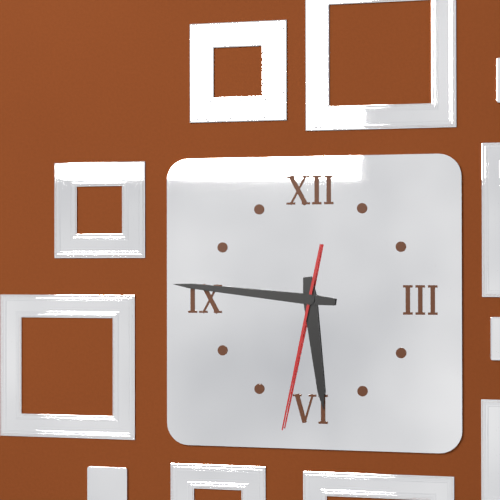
5:46:32
